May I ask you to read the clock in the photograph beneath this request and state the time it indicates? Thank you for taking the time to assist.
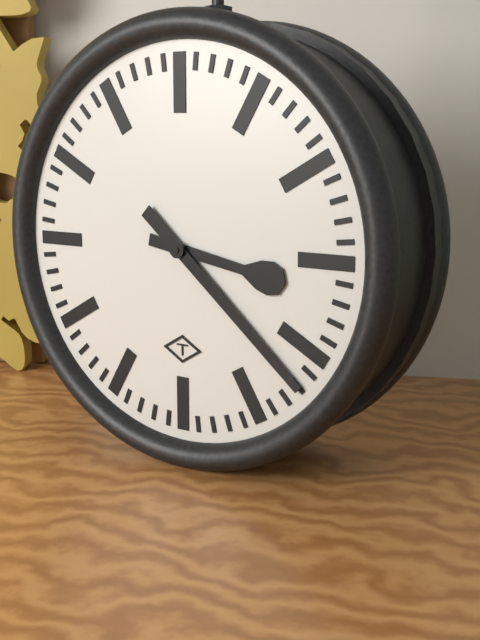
3:22
